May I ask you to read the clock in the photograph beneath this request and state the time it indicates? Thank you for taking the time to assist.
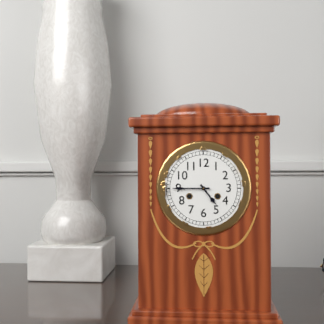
4:45
